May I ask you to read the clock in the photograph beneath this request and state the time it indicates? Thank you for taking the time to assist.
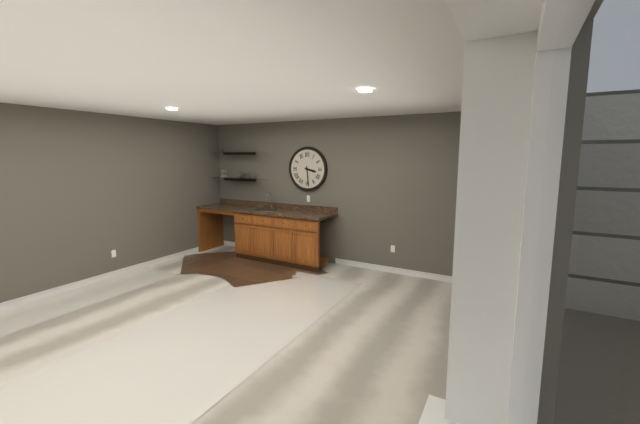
3:29
